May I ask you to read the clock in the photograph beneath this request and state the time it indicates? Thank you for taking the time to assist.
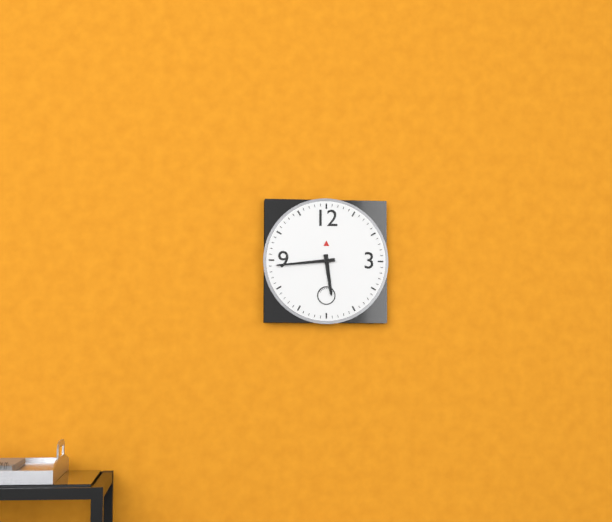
5:44
